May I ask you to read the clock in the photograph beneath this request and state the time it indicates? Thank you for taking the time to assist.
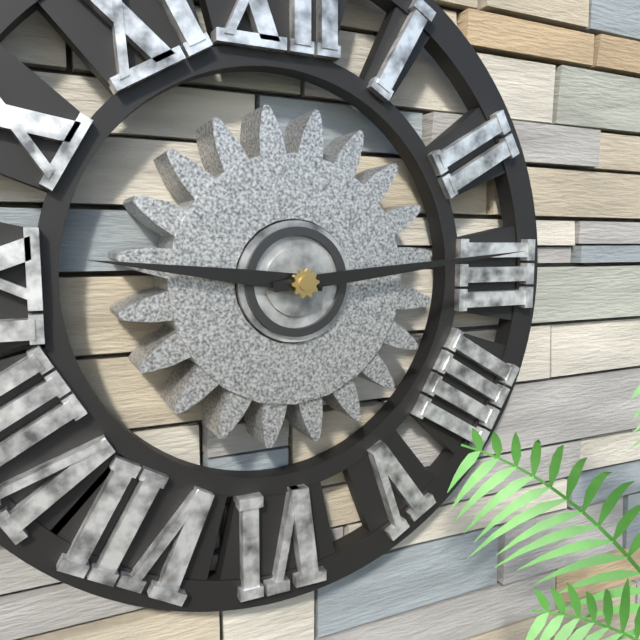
9:14
